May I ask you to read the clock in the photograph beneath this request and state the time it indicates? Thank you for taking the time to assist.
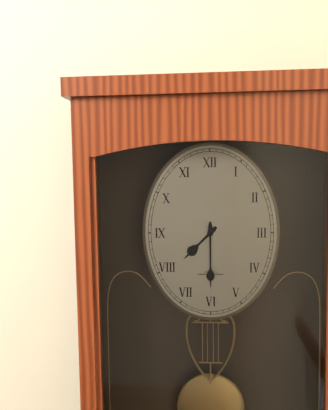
7:30
